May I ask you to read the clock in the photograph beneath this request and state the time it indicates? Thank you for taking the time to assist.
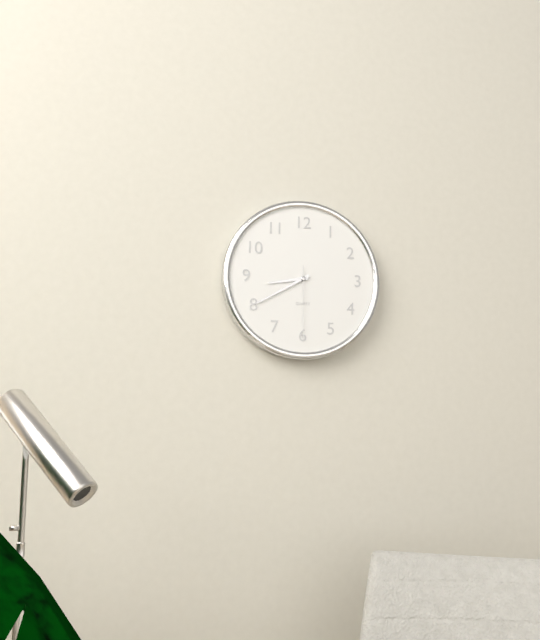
8:40:30
